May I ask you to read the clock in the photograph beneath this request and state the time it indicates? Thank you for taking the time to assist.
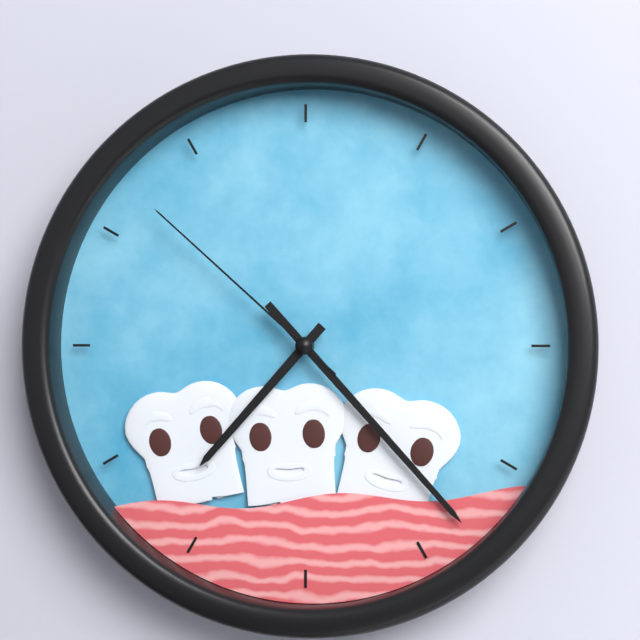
7:23:52
